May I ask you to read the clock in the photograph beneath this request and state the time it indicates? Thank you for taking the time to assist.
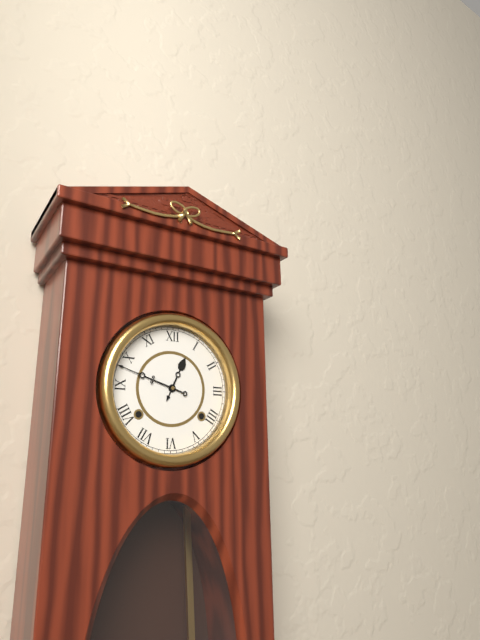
12:48
